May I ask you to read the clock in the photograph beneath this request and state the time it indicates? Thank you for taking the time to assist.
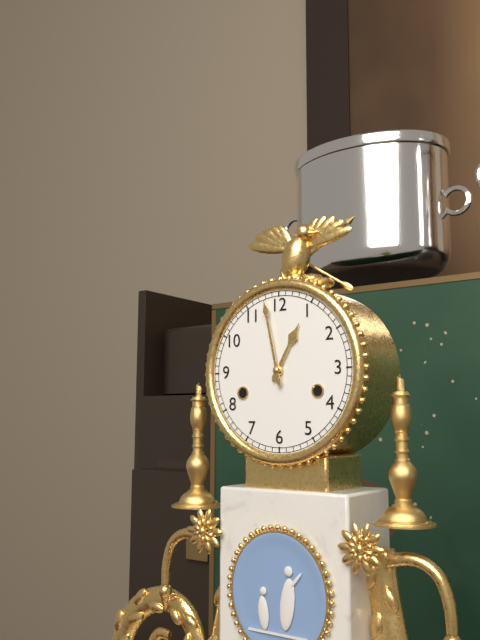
12:58
